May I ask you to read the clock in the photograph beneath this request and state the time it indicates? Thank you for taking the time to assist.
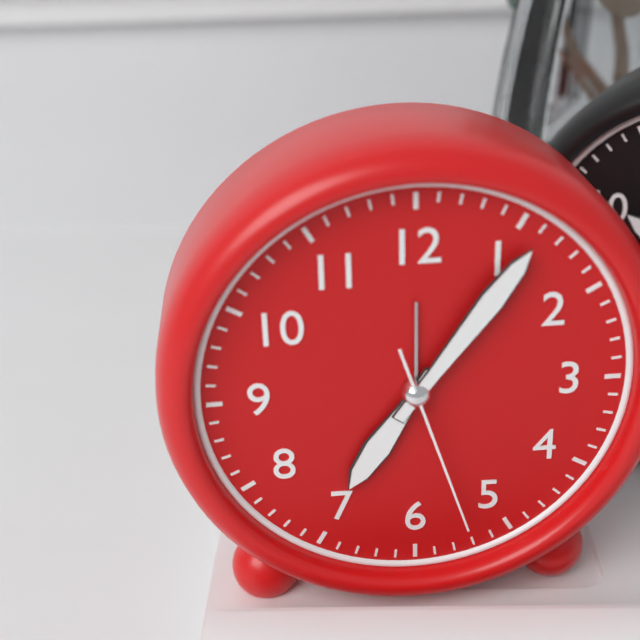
7:06:27
